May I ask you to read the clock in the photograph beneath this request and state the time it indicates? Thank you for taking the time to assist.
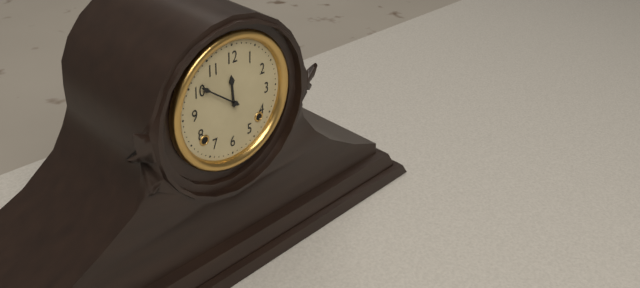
11:51
